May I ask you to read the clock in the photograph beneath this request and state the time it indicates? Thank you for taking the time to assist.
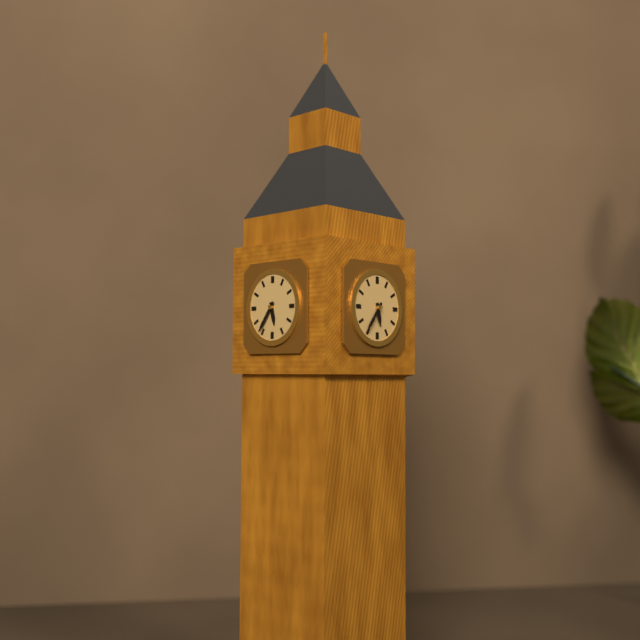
5:36
